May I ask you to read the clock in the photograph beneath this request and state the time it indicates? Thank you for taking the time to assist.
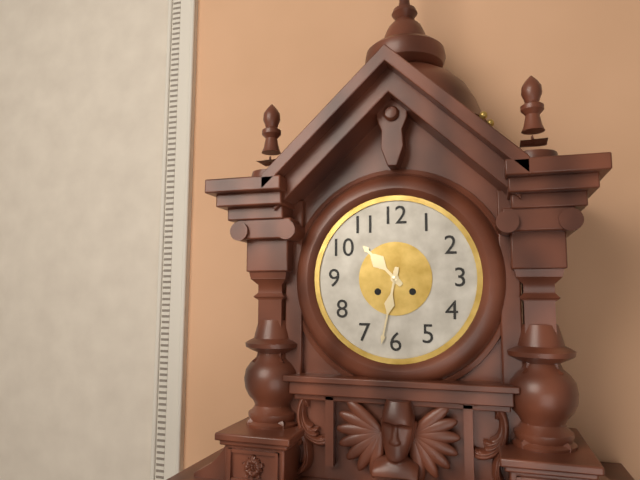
10:32
